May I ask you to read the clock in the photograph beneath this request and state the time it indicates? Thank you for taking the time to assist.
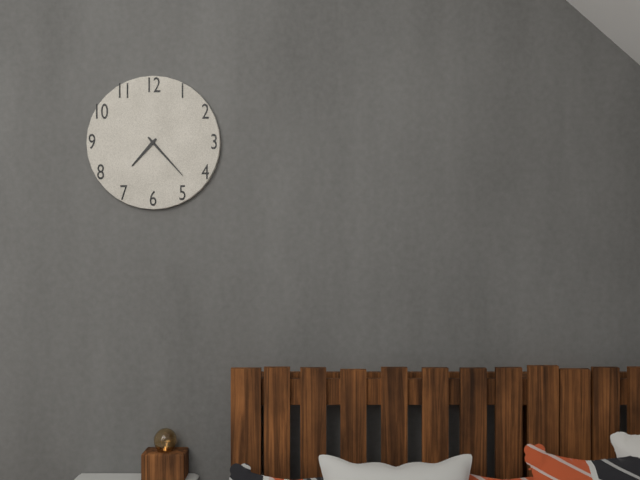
7:23
